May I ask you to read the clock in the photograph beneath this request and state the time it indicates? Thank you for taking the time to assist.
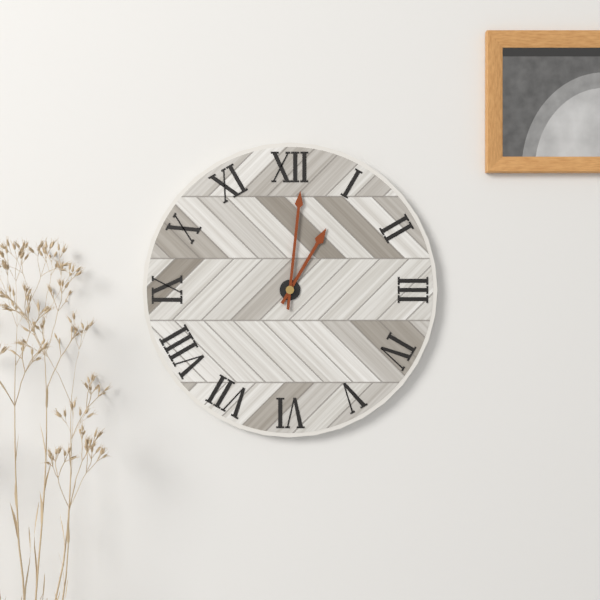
1:01
